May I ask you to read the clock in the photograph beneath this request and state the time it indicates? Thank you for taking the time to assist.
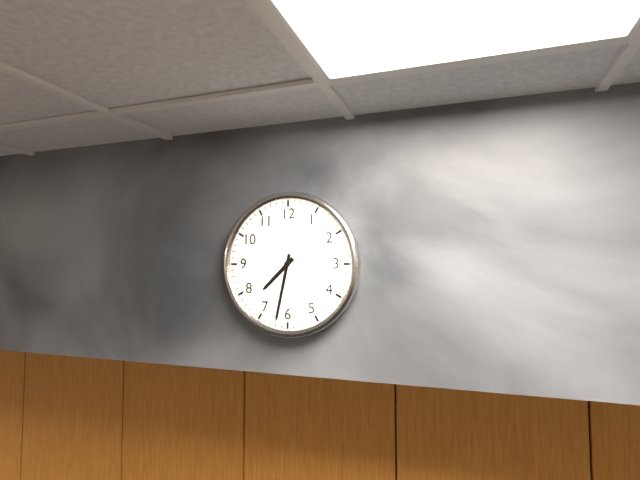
7:32
